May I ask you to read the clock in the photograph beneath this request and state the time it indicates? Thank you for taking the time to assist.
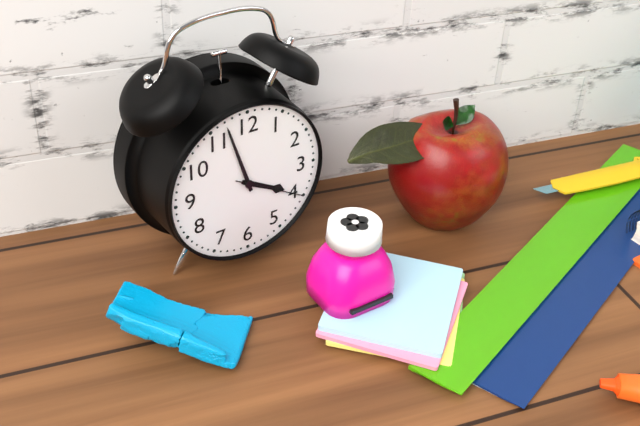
3:57:20
